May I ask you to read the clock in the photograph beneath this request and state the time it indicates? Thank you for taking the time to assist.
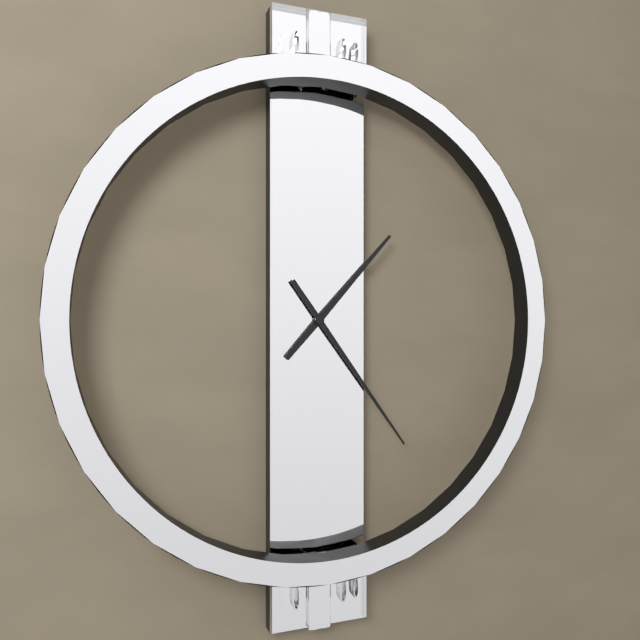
1:24
